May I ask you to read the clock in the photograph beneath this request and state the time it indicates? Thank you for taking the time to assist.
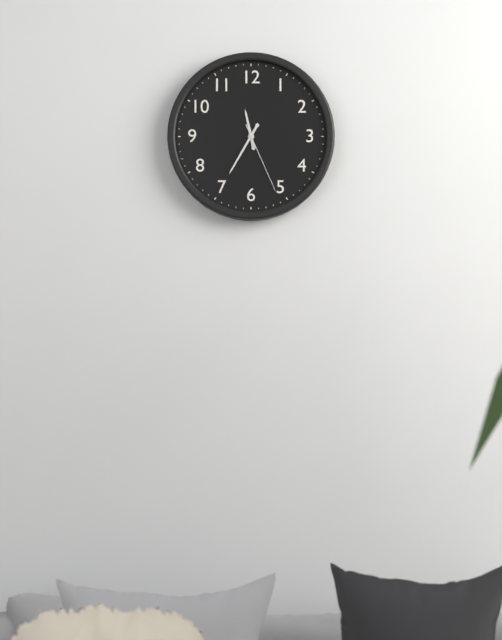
11:35:26
